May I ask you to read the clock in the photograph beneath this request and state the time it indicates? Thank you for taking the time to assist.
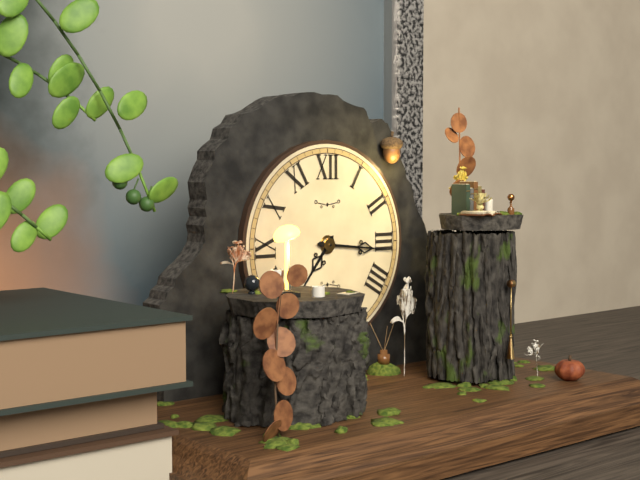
7:16
